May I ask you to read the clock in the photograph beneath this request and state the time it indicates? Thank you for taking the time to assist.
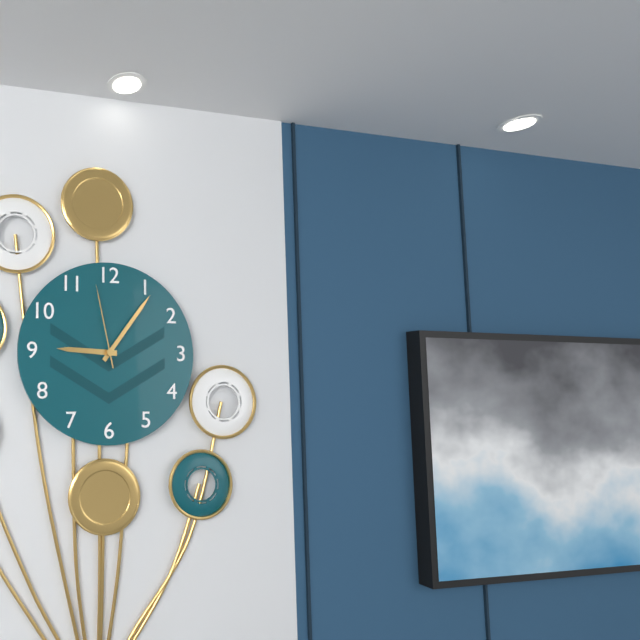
9:06:58
